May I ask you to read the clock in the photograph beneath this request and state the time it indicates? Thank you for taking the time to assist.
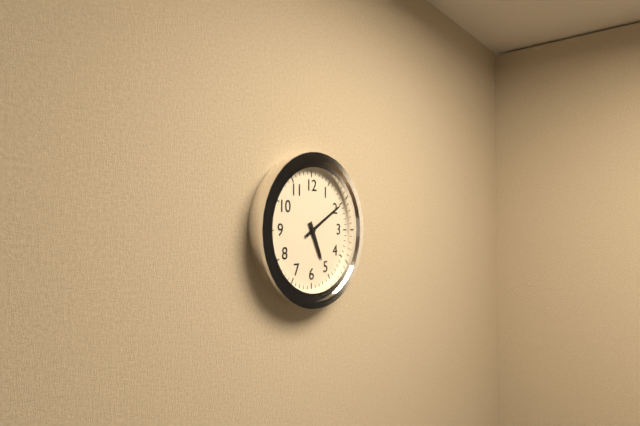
5:10
